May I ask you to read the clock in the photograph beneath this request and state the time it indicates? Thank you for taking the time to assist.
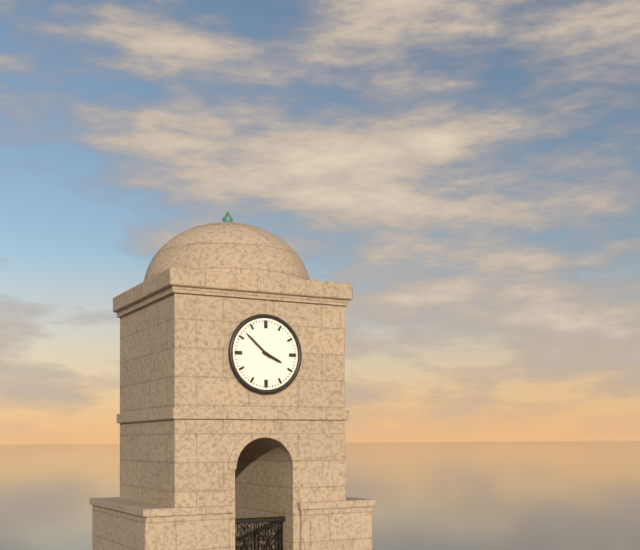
3:52
